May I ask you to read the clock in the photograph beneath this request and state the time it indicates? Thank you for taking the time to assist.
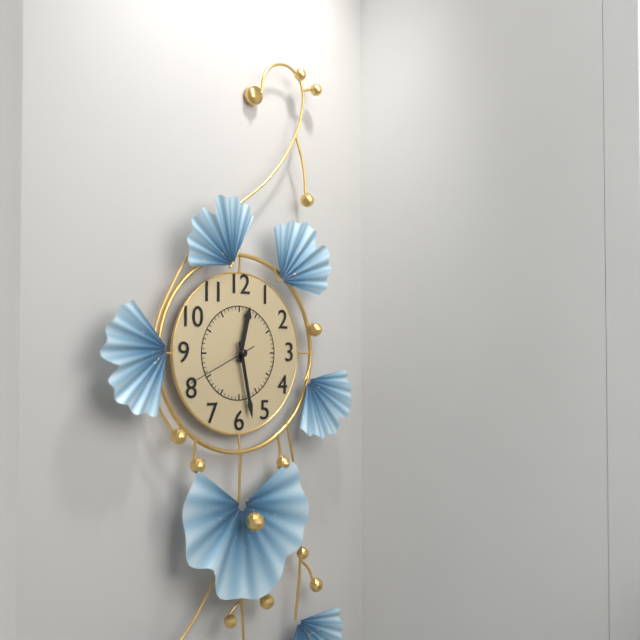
12:28:41
